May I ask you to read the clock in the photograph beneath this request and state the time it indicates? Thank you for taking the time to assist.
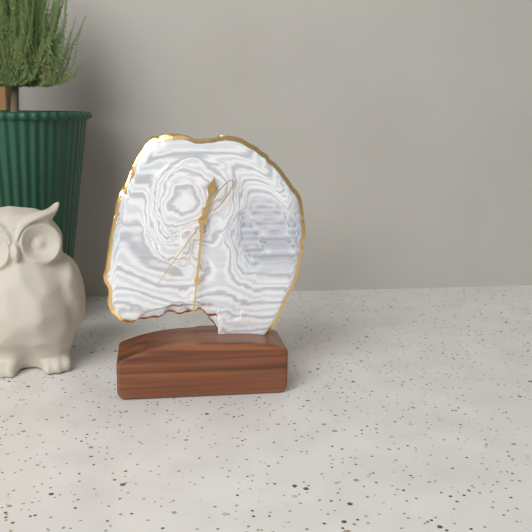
12:31:36
